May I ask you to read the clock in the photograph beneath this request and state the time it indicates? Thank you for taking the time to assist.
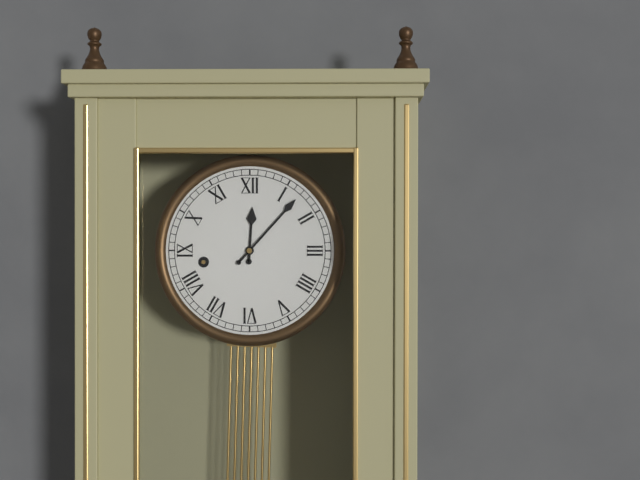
12:07
